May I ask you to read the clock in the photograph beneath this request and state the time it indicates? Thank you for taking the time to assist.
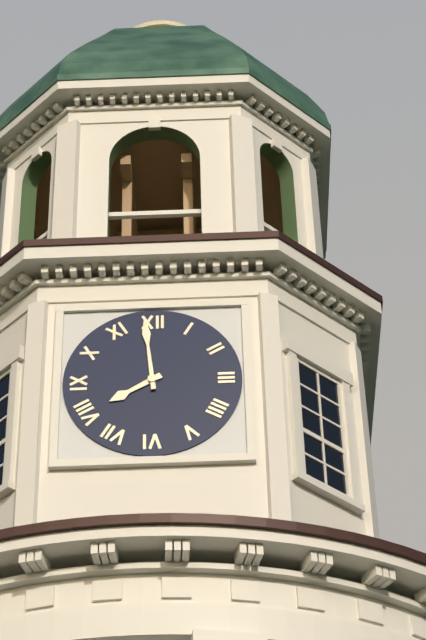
7:59
